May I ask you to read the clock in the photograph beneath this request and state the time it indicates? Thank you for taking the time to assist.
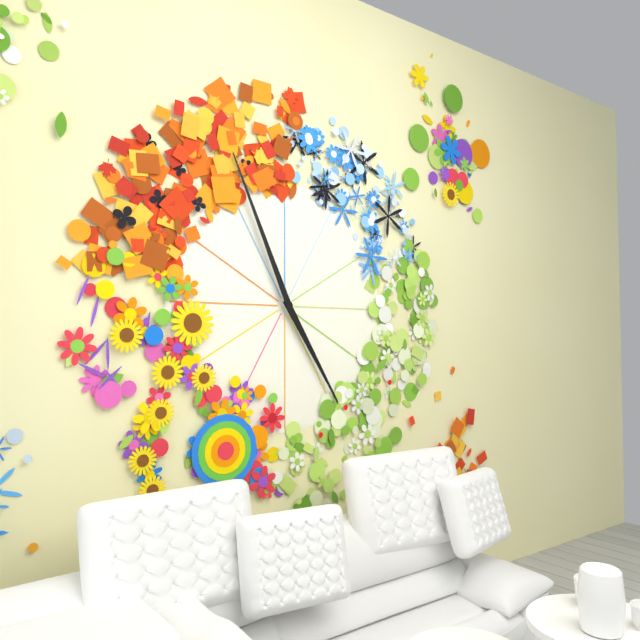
4:56
